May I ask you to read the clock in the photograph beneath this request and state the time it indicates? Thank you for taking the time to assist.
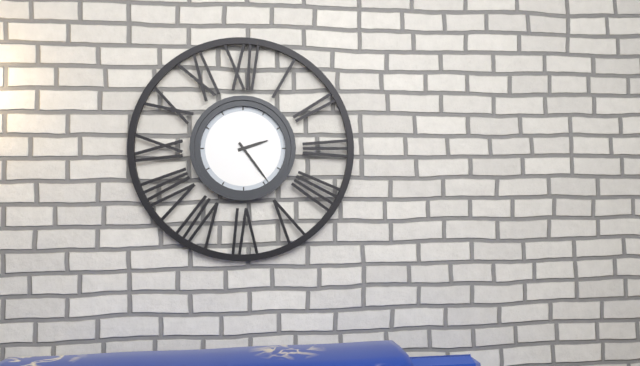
2:24
